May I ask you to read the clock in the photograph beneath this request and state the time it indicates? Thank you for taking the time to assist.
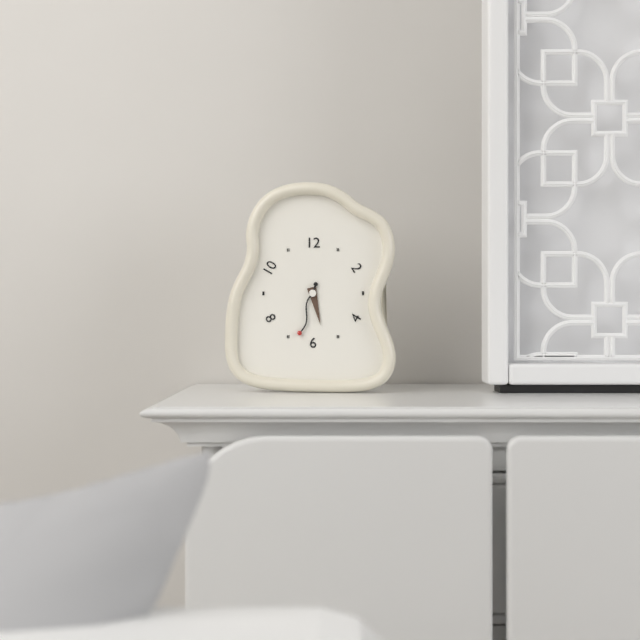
5:33
